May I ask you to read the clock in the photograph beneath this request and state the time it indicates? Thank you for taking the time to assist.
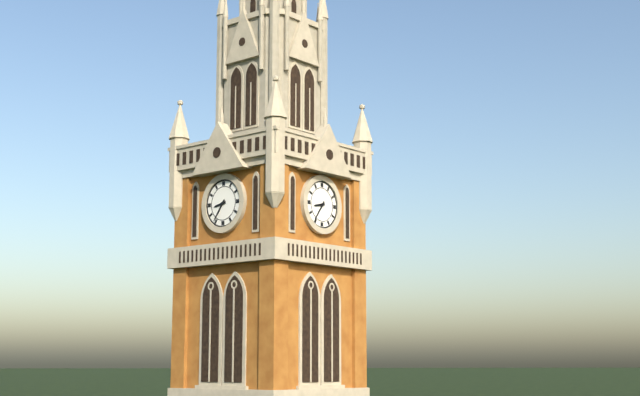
8:36
